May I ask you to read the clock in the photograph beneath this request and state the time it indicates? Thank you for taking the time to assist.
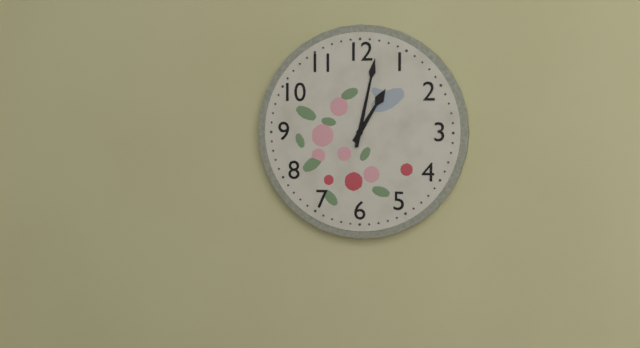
1:02
